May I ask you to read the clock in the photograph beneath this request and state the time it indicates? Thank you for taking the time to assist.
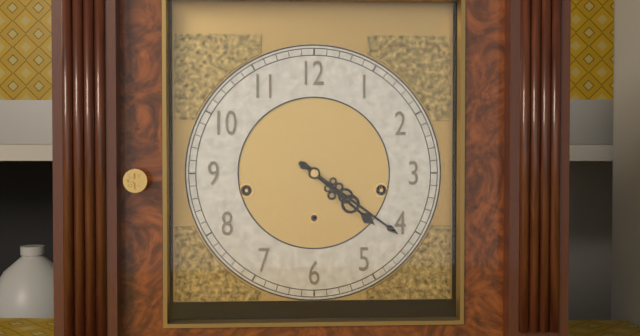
4:21
